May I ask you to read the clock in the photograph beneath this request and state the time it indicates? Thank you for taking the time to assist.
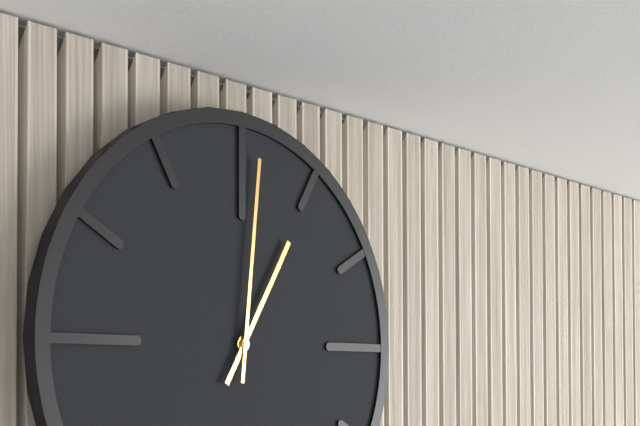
1:01
